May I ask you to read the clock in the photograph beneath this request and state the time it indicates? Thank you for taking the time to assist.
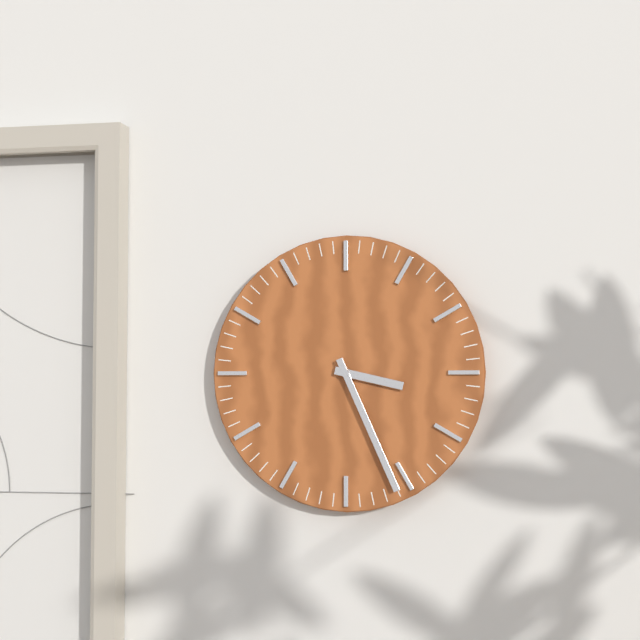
3:26
